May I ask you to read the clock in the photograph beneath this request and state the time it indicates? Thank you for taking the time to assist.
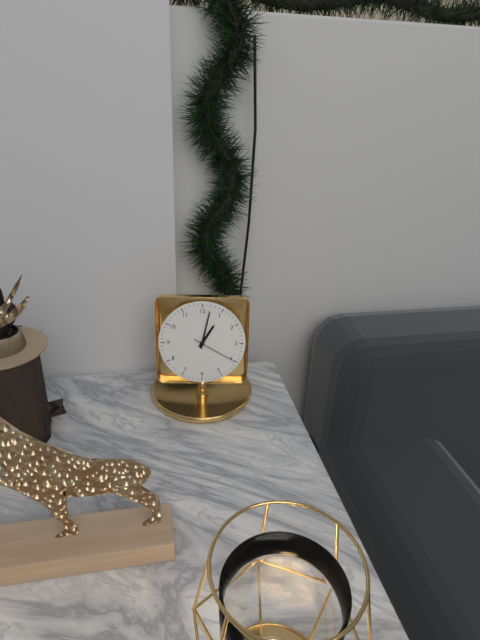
1:02
